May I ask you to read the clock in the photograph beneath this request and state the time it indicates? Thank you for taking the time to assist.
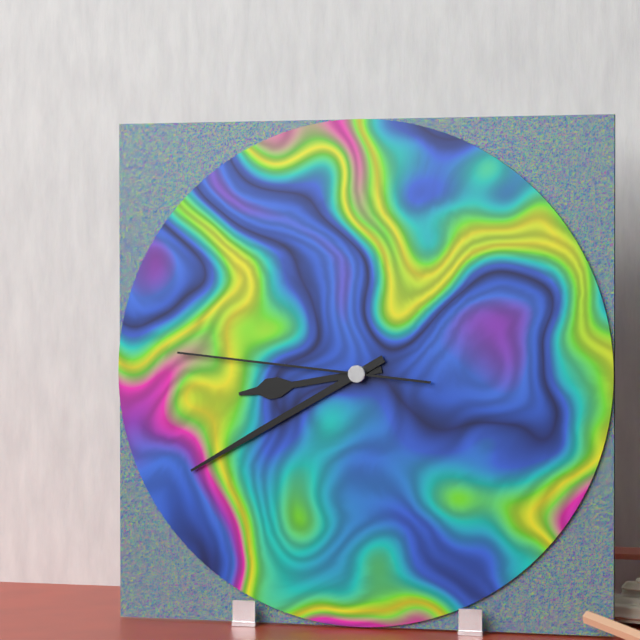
8:40:46
